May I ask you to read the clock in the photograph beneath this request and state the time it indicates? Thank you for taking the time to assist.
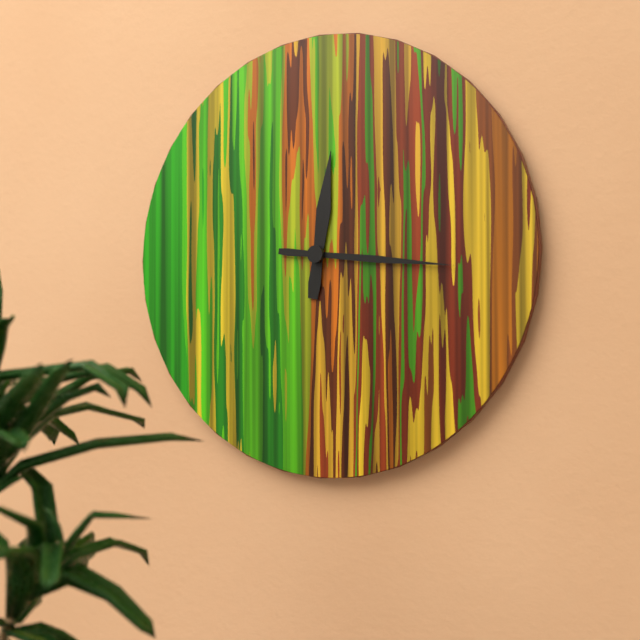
12:16
